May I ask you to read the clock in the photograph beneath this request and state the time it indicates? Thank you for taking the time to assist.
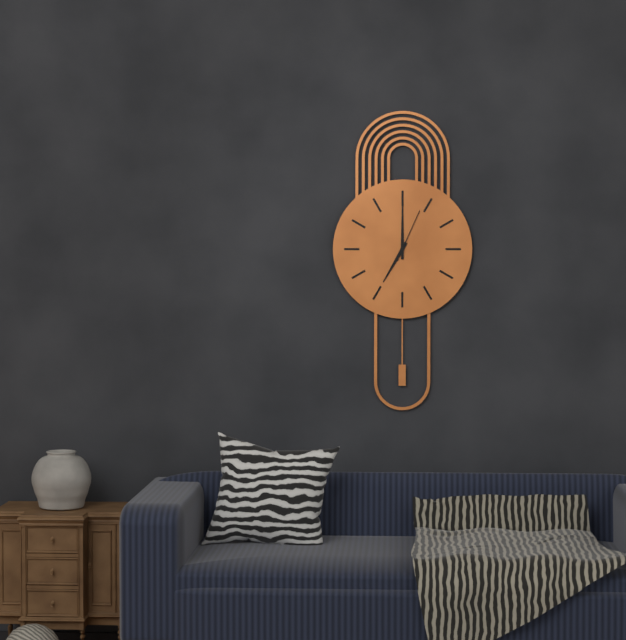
7:00:04
